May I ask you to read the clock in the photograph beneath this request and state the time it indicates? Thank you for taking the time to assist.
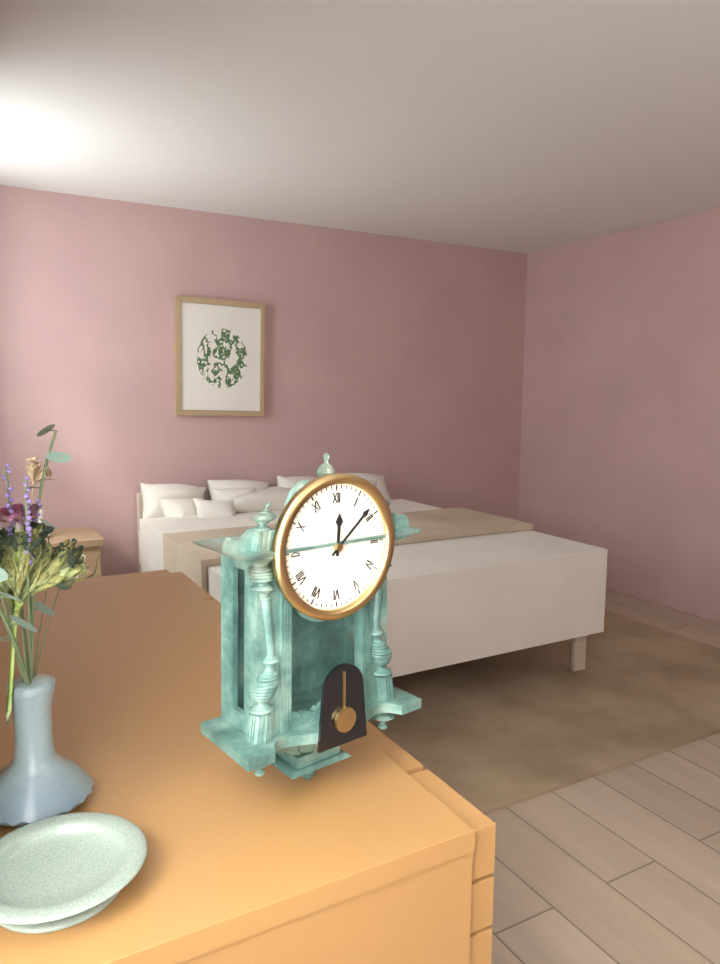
12:08
